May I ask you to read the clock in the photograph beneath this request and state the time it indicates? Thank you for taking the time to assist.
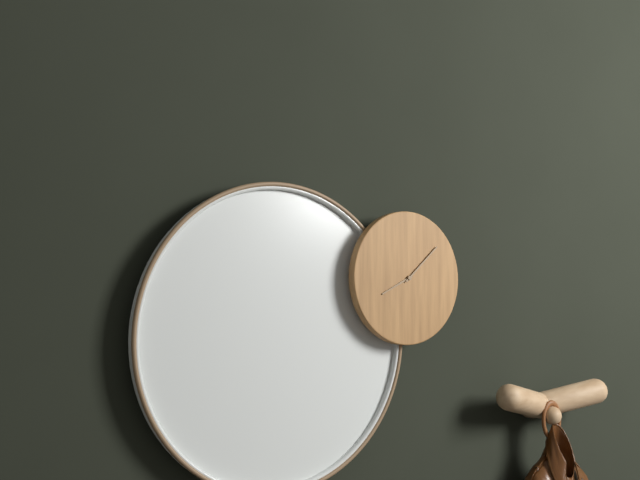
8:08
